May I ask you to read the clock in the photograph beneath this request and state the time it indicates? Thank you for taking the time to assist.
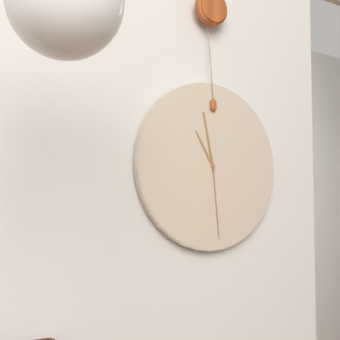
10:58:29
